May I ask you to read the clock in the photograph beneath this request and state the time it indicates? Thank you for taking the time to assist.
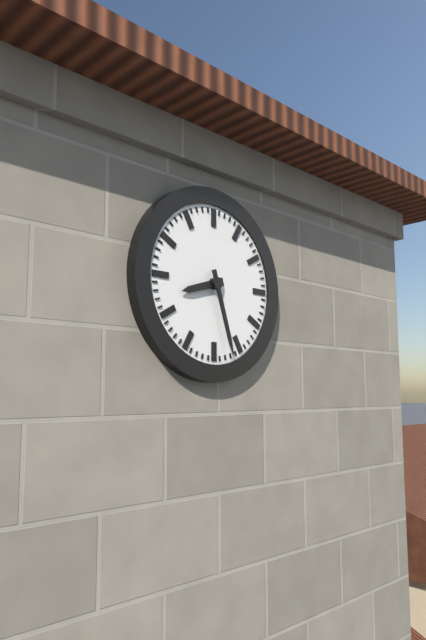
8:27
